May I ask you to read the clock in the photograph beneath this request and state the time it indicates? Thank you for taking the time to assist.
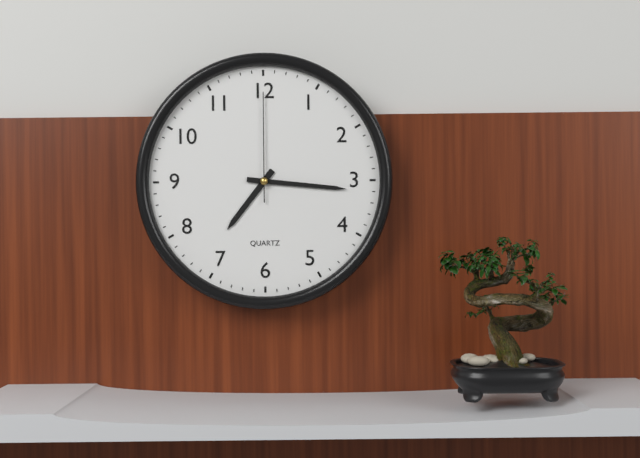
7:16:00
